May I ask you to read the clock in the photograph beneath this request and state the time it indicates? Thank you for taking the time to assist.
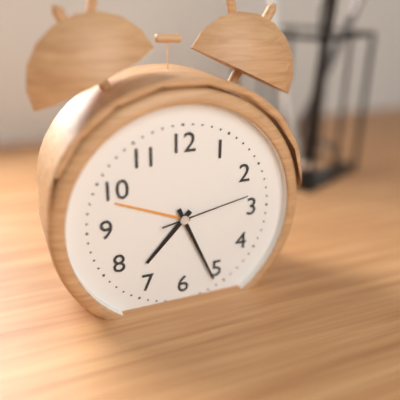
7:26:13
